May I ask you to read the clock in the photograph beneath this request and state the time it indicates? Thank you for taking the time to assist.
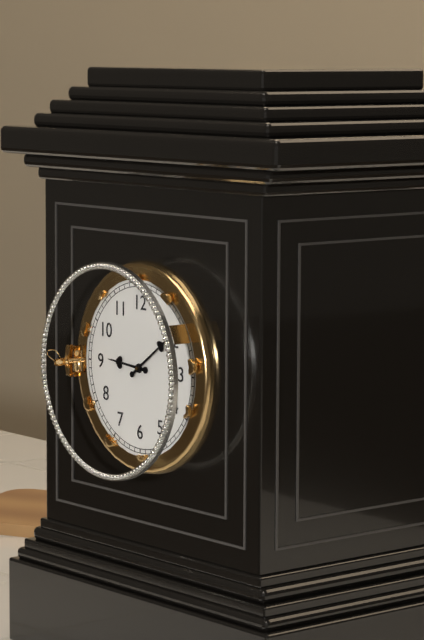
9:09
